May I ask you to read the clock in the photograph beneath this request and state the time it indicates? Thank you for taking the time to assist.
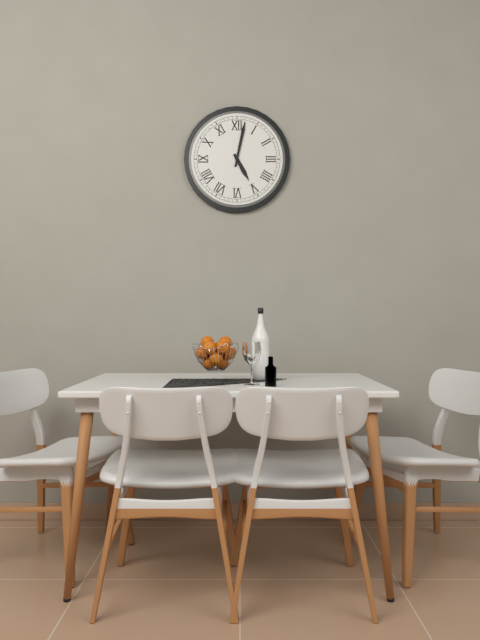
5:02
